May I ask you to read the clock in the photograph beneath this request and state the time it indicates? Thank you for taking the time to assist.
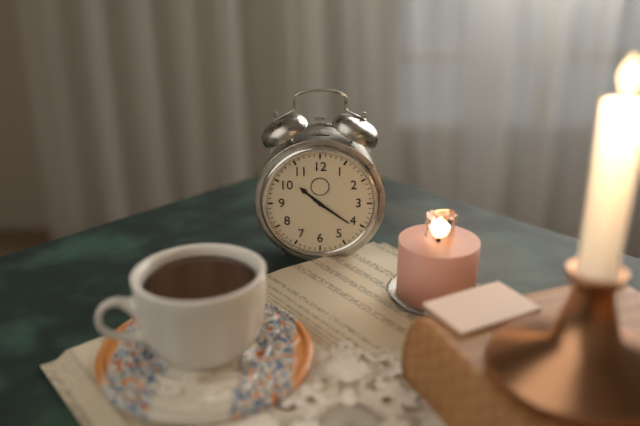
10:21
